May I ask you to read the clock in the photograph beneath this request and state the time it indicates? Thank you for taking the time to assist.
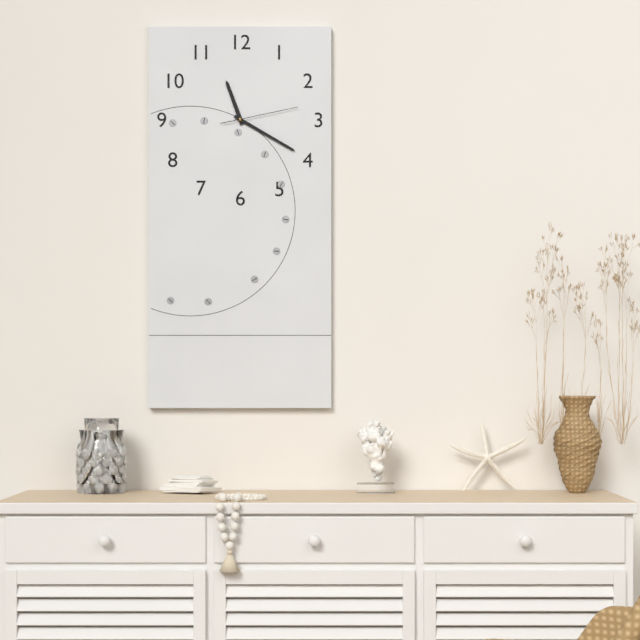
11:20:13
